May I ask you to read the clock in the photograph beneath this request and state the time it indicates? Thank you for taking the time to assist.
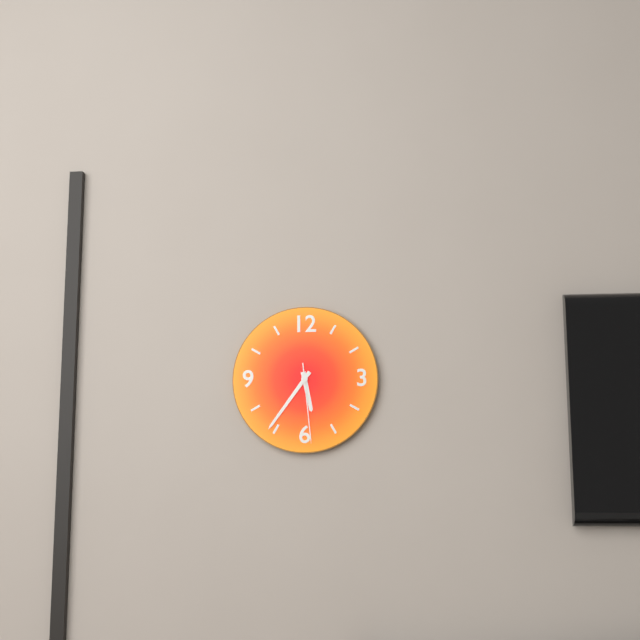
5:36:29
